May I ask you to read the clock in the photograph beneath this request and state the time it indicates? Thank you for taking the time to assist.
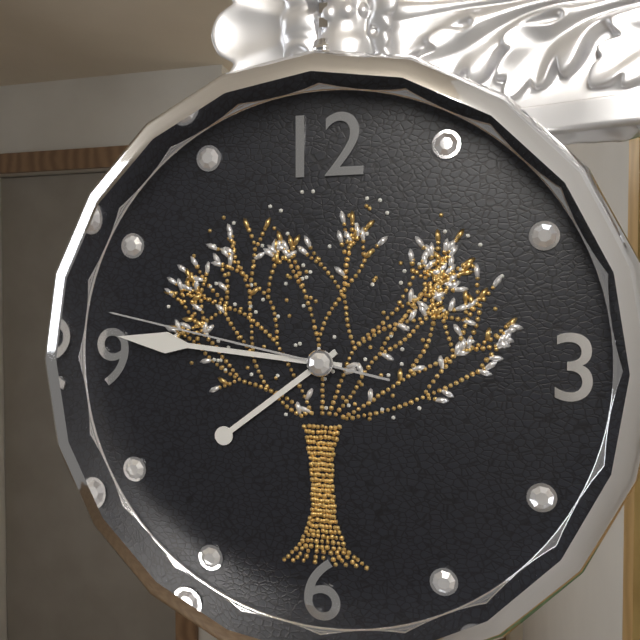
7:46:47
